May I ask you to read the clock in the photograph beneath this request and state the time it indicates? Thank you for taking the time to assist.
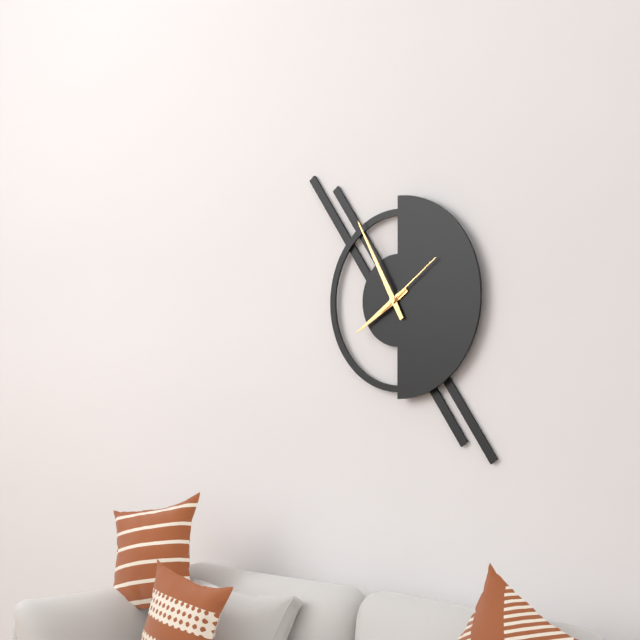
7:55:09
